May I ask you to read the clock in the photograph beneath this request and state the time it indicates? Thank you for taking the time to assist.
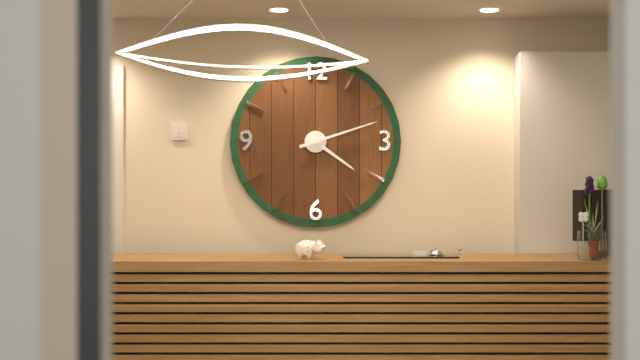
4:12
